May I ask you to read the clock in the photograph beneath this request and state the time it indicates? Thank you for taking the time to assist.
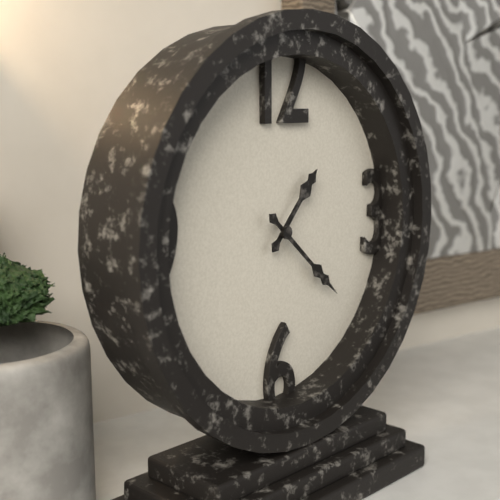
1:22
